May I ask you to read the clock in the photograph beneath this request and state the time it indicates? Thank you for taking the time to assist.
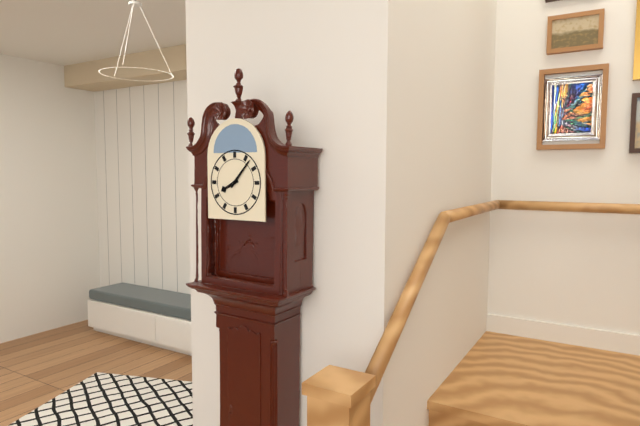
8:07
